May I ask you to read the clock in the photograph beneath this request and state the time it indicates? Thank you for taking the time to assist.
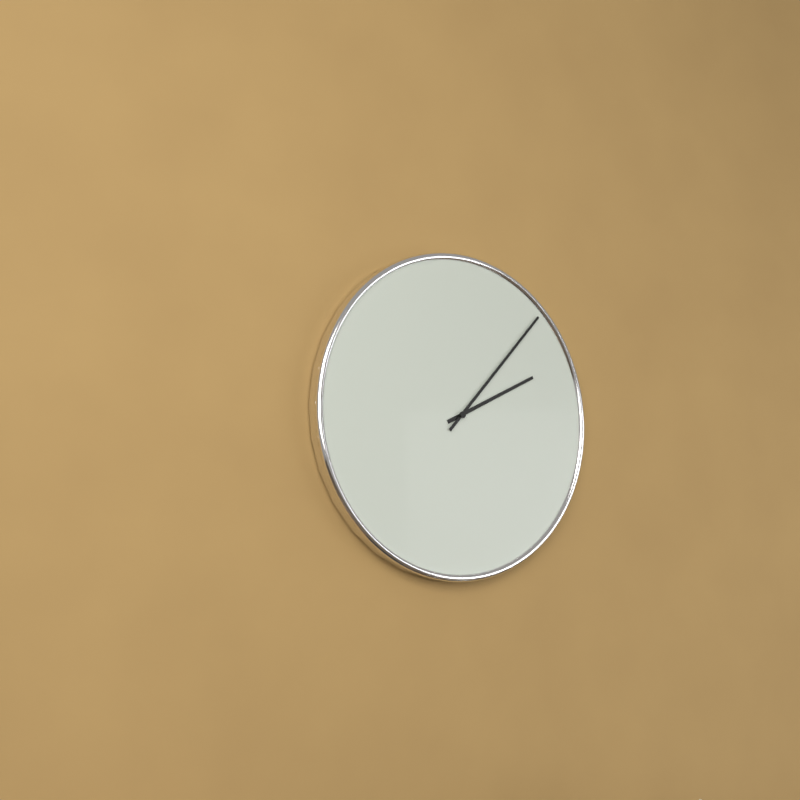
2:07
